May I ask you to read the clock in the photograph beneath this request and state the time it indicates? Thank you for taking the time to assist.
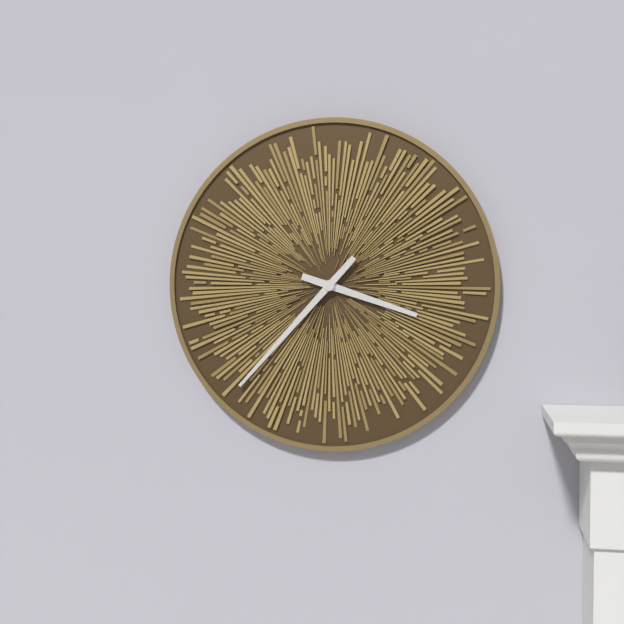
3:37
